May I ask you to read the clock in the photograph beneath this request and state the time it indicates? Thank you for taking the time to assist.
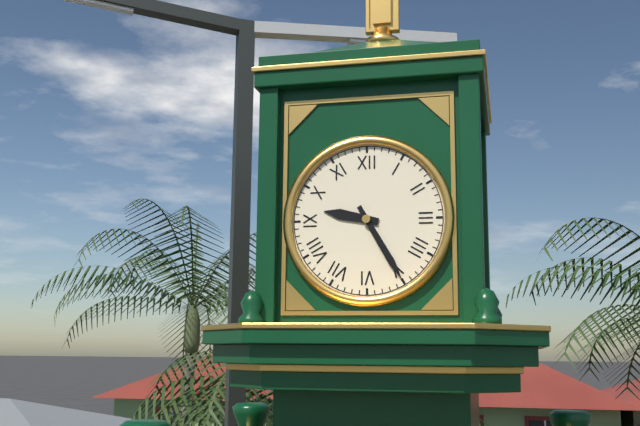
9:25
